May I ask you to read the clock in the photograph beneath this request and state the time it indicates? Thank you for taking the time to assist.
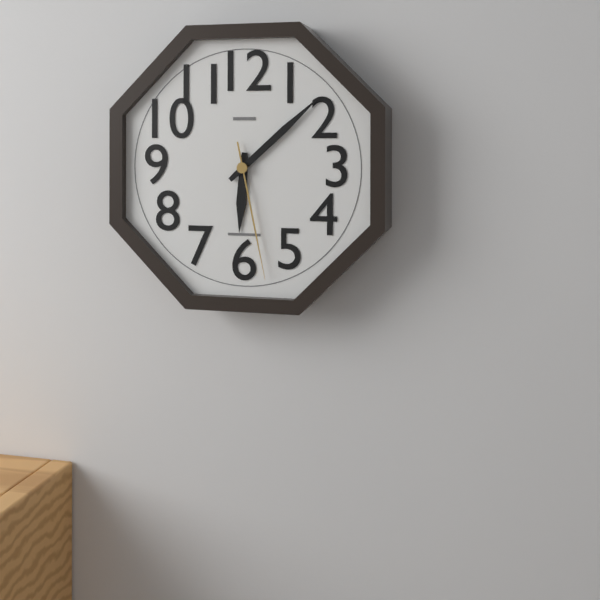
6:08:28
